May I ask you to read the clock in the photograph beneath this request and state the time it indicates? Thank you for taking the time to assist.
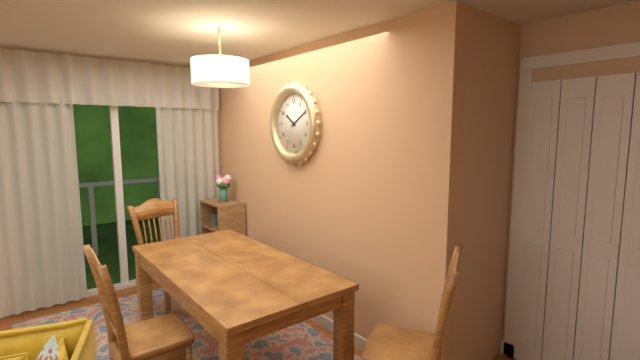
10:10
